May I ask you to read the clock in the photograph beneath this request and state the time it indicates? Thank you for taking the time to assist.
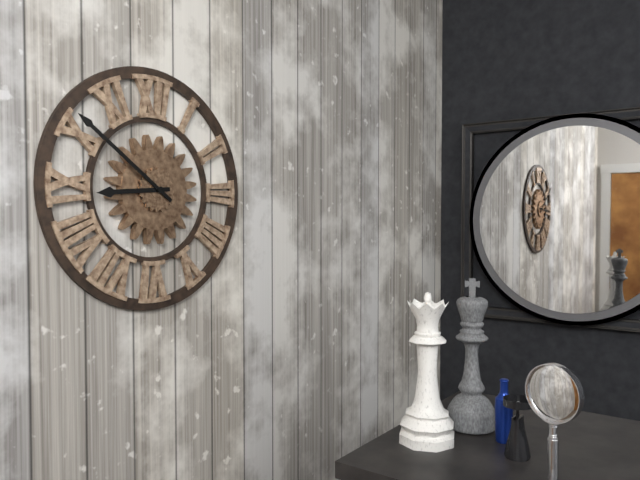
8:51
